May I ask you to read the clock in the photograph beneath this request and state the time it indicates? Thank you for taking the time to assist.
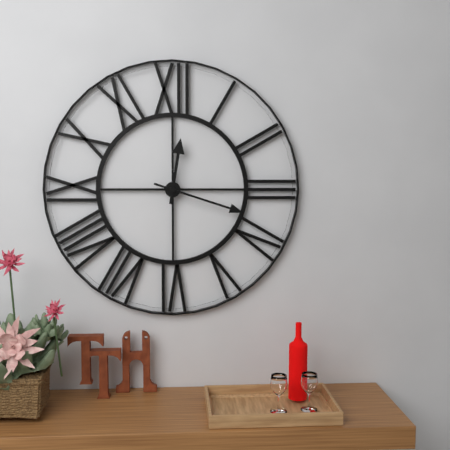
12:18
